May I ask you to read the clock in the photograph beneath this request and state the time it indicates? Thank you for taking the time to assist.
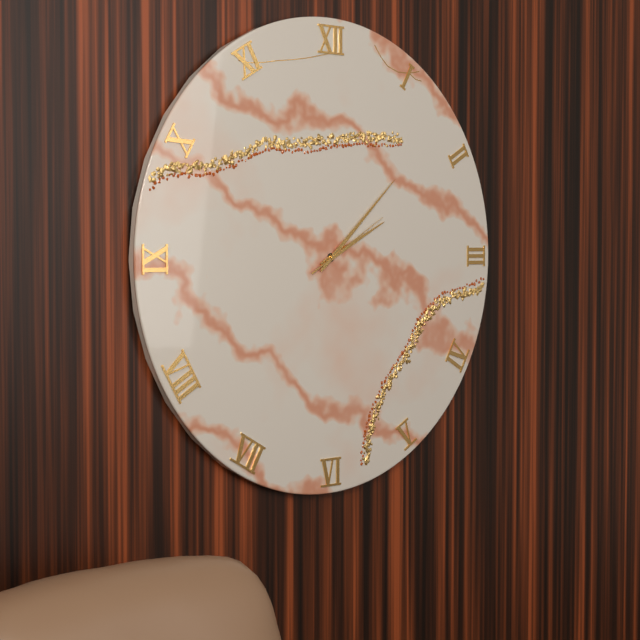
2:08:10
